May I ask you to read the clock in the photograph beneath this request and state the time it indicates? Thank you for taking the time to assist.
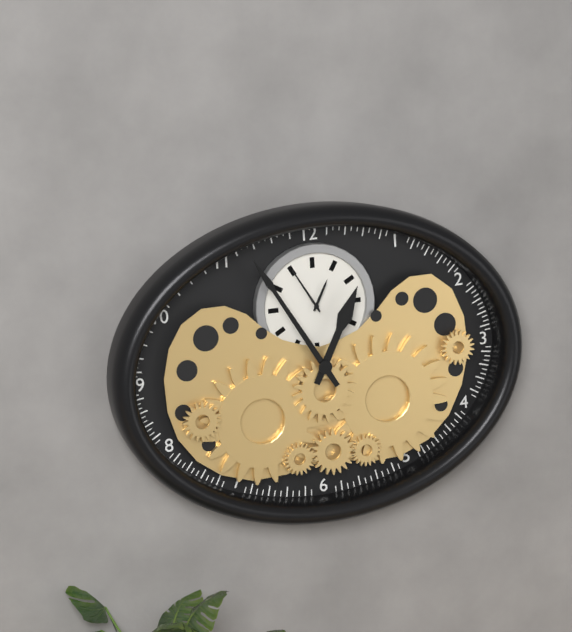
12:55
